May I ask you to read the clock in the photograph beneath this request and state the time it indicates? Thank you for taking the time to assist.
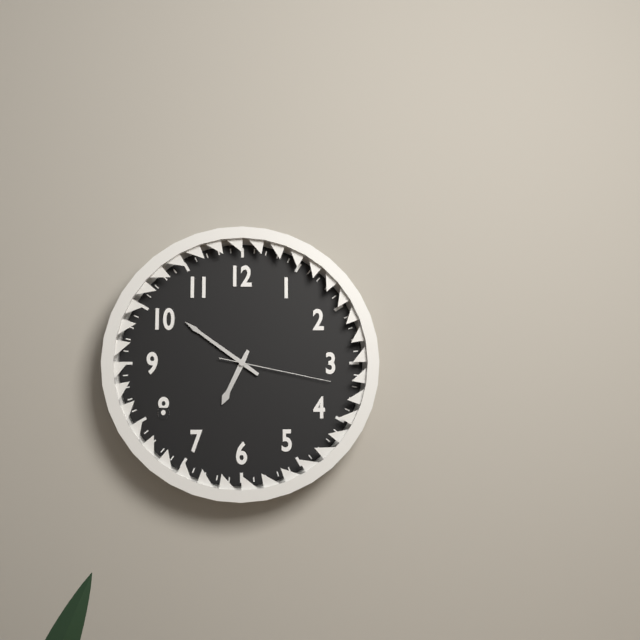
6:51:17
